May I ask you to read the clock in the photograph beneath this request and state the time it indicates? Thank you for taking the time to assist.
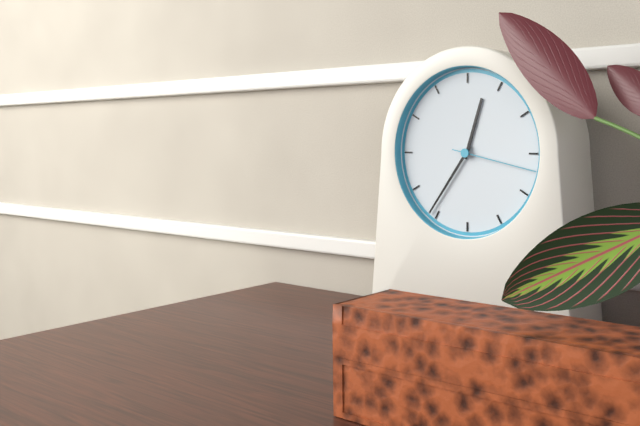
12:36:17
